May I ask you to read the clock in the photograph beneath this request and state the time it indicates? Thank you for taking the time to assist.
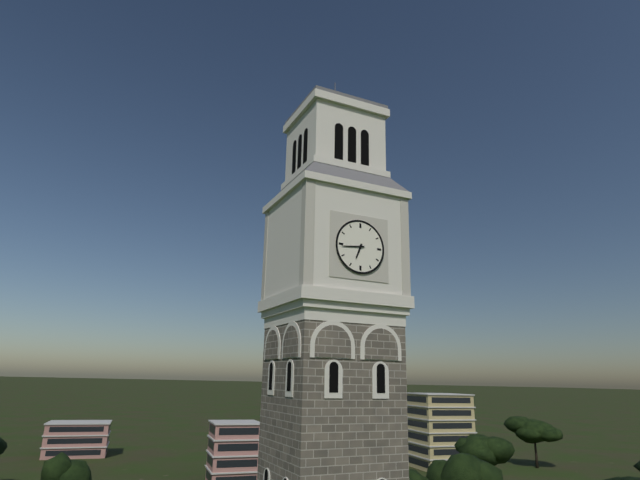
6:44
